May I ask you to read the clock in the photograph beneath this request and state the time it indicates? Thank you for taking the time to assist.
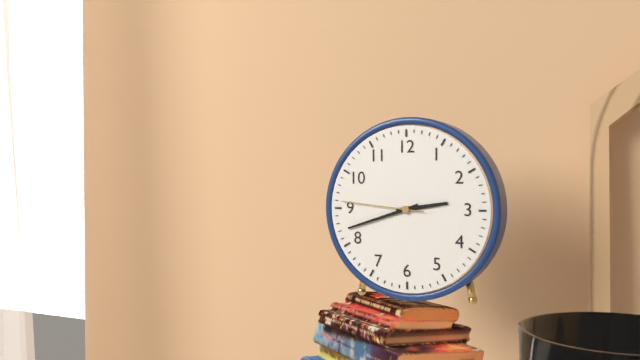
2:42:46
